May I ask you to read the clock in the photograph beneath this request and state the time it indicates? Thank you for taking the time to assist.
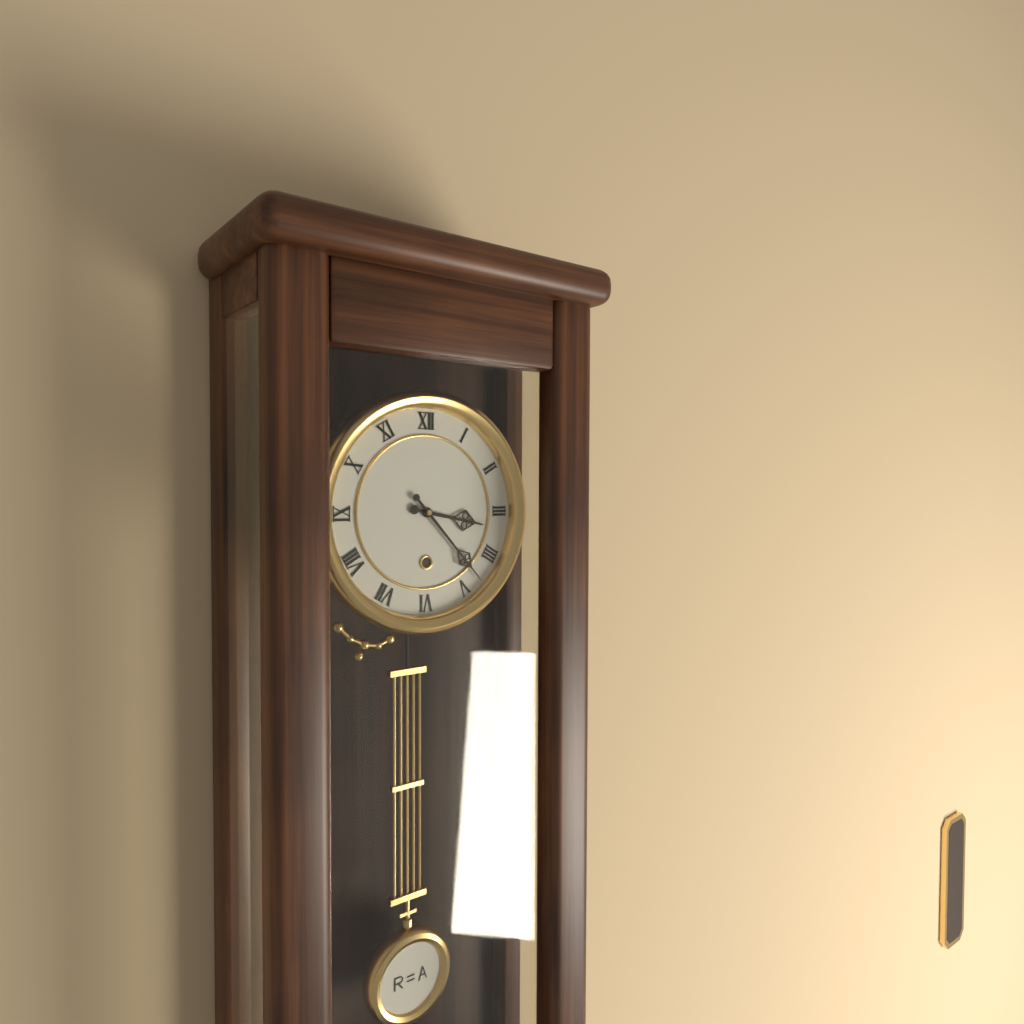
3:23
